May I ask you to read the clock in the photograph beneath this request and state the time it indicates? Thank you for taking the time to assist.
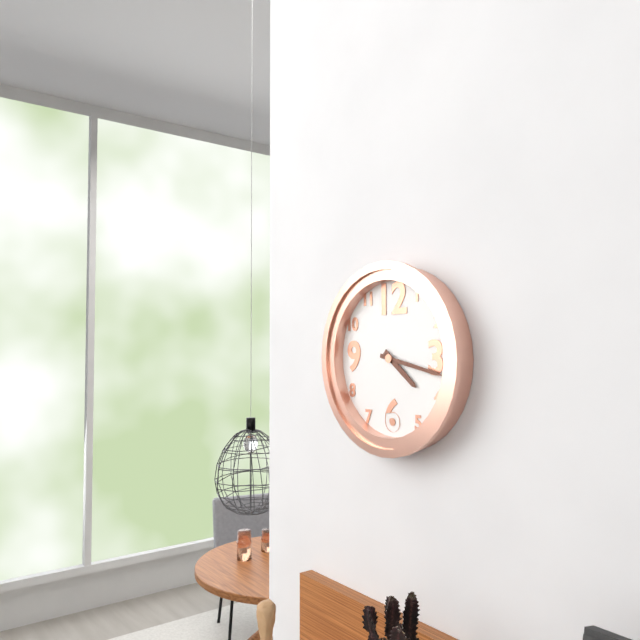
4:17
